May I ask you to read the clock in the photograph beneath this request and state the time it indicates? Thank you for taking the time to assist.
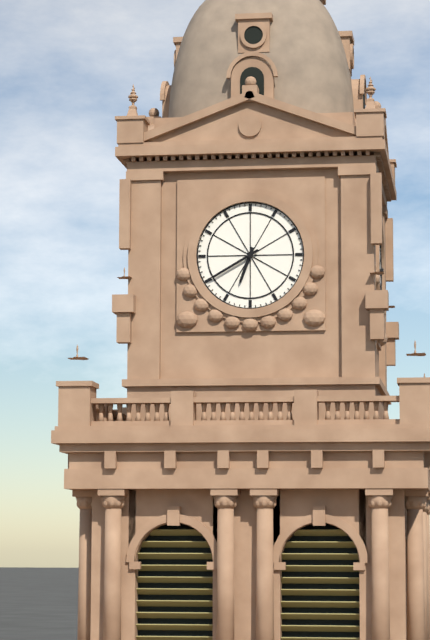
6:40
